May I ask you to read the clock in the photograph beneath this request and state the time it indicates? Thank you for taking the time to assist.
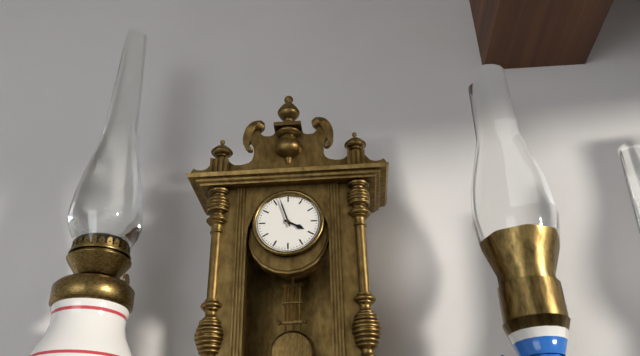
3:57
